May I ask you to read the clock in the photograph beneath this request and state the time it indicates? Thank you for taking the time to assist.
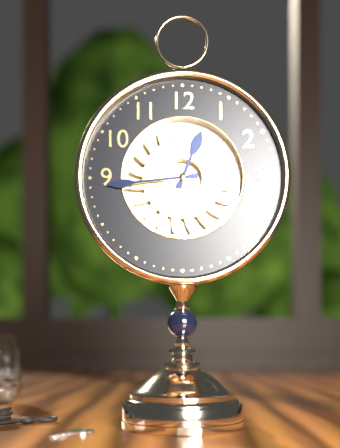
12:44
